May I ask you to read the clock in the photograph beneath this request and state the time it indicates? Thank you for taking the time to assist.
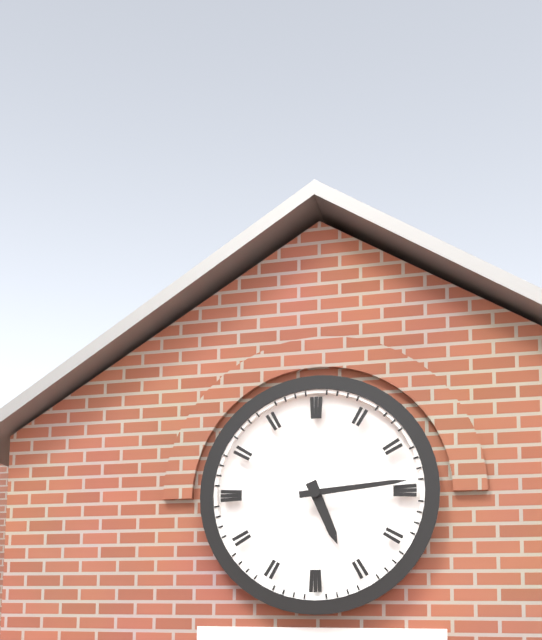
5:14
